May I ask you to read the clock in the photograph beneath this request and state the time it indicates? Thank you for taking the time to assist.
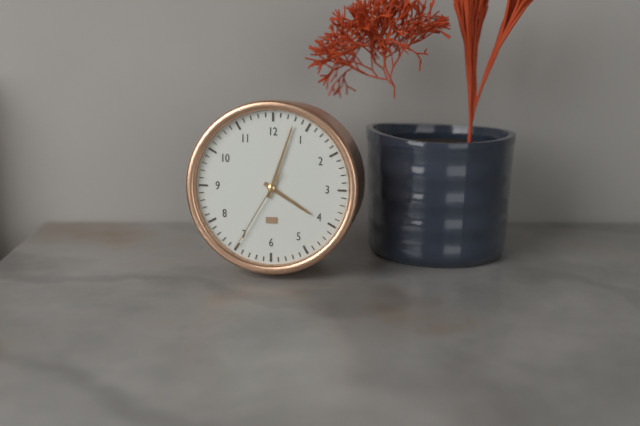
4:03:35
